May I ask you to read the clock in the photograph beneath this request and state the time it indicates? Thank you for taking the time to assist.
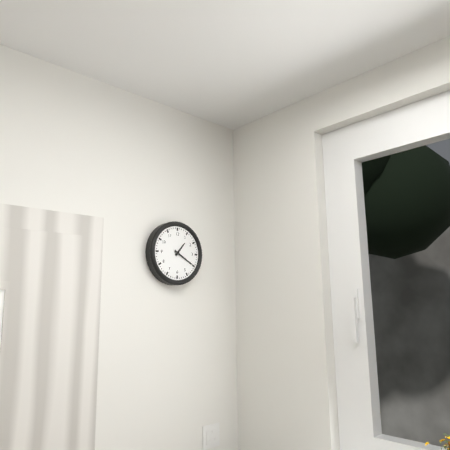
1:20
